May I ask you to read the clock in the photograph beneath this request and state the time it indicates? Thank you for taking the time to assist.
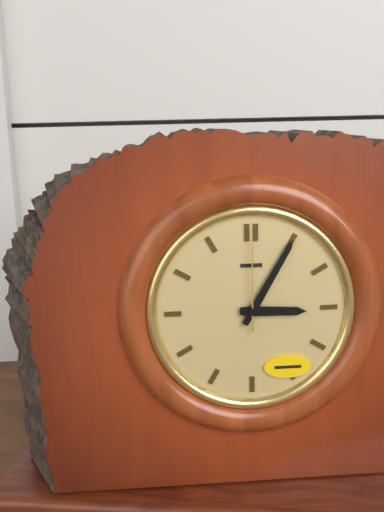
3:05:00
